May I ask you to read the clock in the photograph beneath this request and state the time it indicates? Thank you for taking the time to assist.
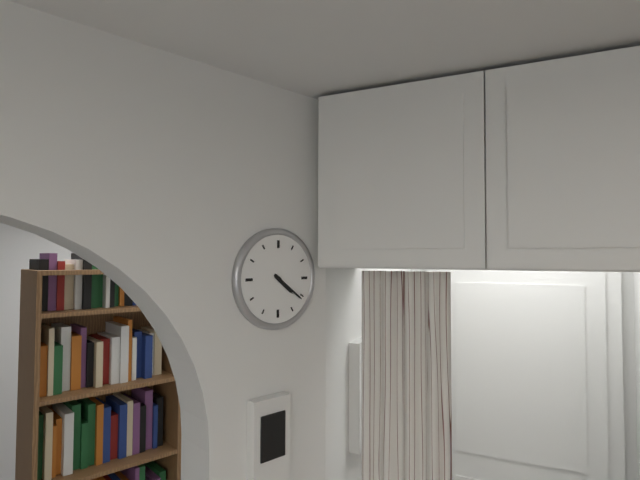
4:21
